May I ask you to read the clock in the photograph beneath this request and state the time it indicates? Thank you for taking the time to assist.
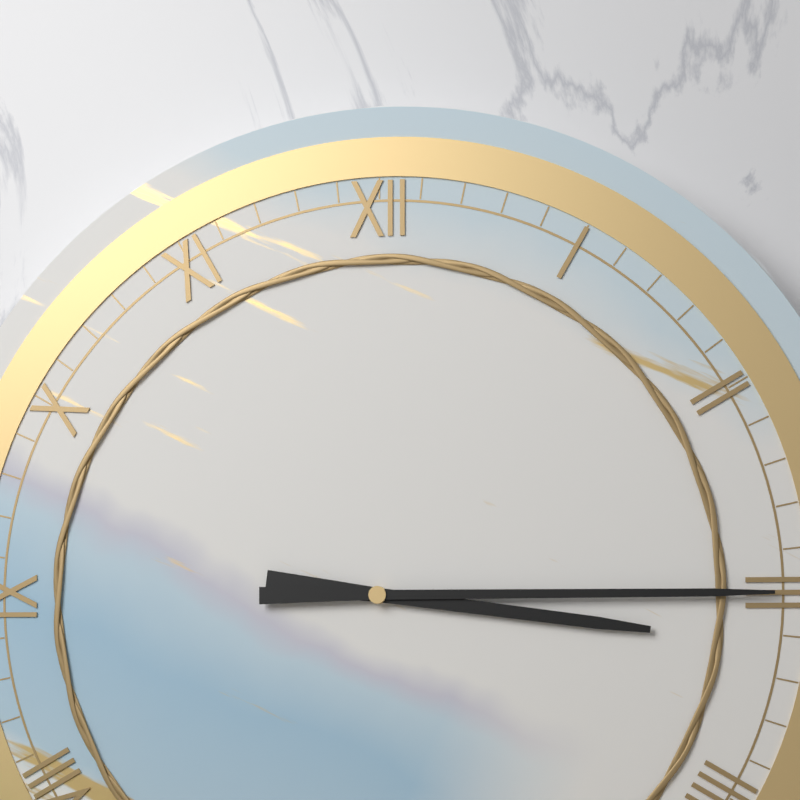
3:15
